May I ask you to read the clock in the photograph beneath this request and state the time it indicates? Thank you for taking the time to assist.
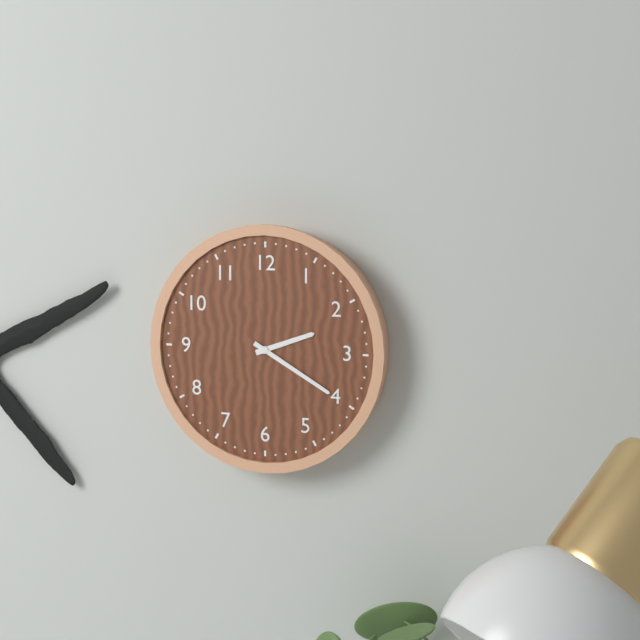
2:20
